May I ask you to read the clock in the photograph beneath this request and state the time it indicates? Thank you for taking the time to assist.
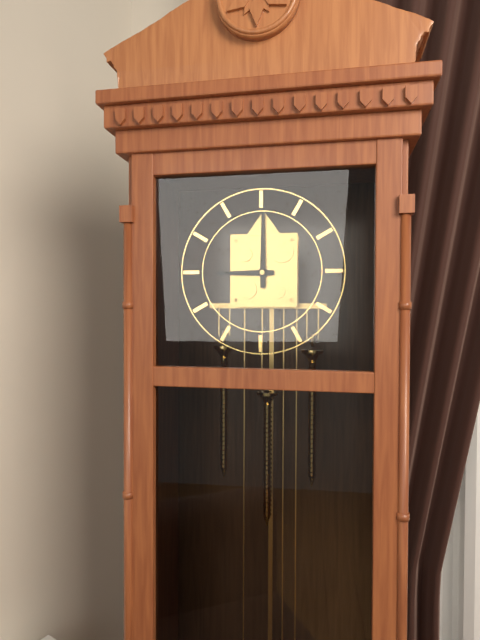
9:00
